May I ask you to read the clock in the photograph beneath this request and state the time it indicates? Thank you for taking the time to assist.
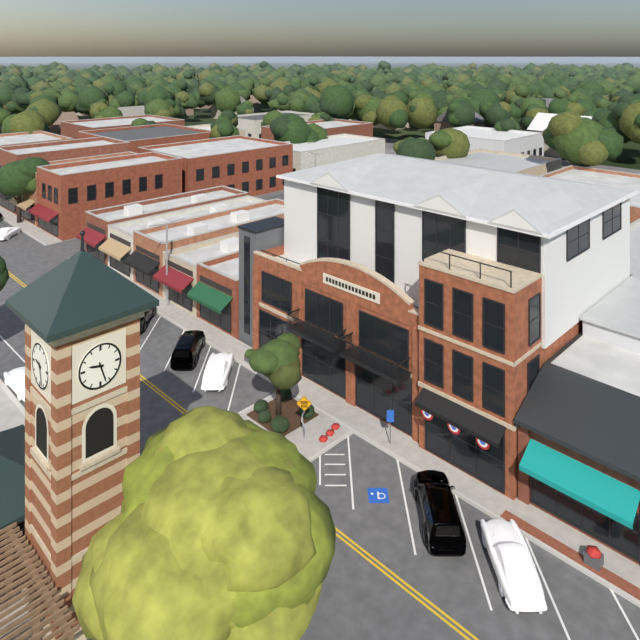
9:27
